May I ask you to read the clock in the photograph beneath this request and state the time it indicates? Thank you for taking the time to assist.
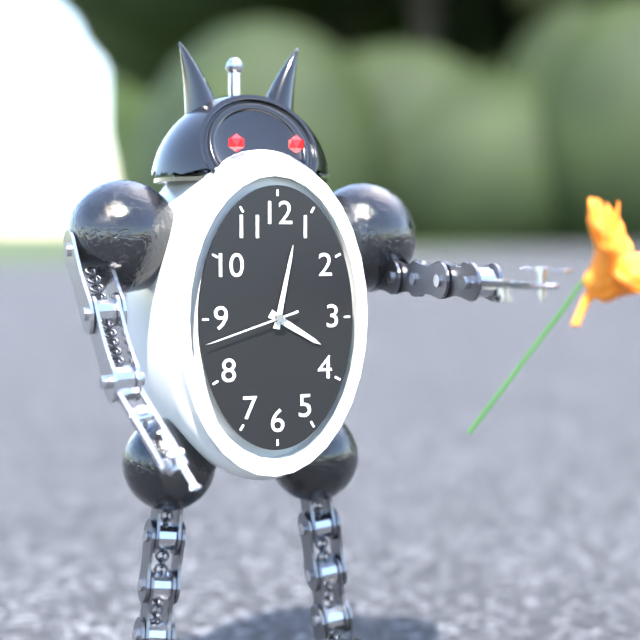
4:02:42
